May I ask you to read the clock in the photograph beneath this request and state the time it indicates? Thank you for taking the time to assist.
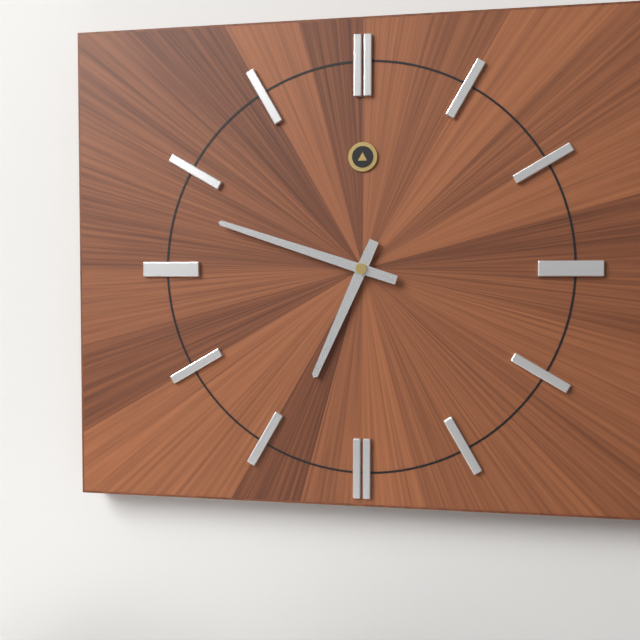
6:48
